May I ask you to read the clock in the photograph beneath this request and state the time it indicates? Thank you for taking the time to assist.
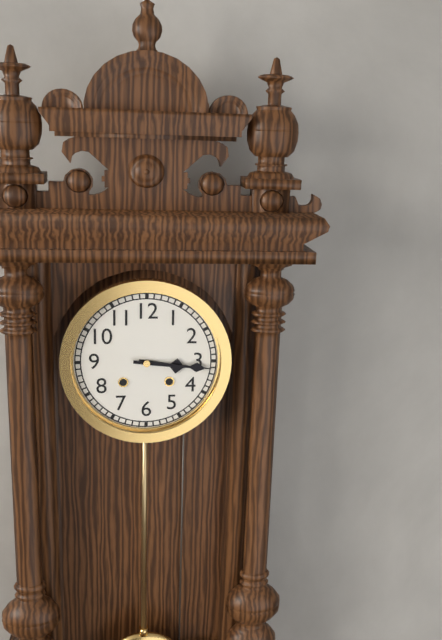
3:16
